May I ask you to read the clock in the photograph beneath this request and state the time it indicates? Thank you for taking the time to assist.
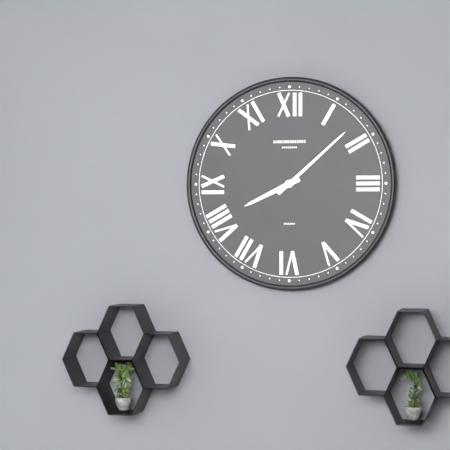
8:08
